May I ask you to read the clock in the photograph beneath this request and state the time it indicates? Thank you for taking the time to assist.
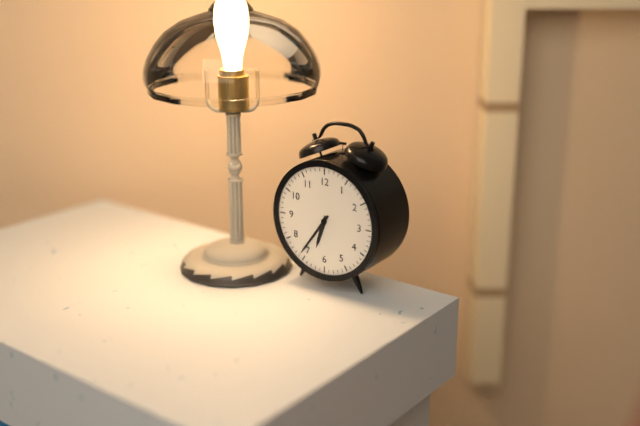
6:36
